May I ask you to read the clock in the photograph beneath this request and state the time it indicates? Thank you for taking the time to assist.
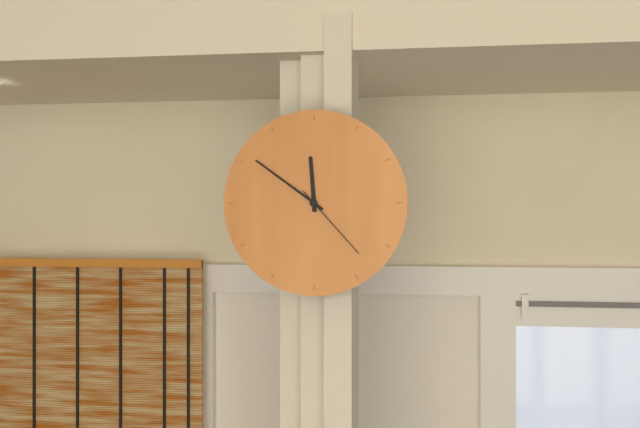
11:51:23
